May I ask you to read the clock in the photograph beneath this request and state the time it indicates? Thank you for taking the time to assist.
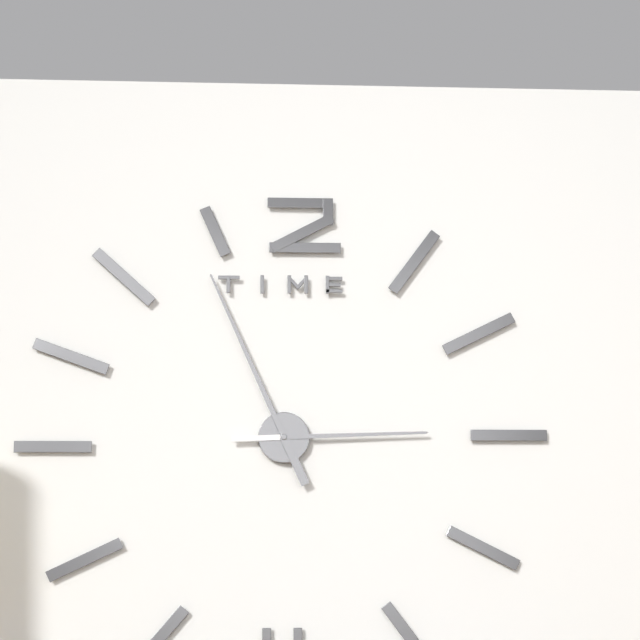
2:56
